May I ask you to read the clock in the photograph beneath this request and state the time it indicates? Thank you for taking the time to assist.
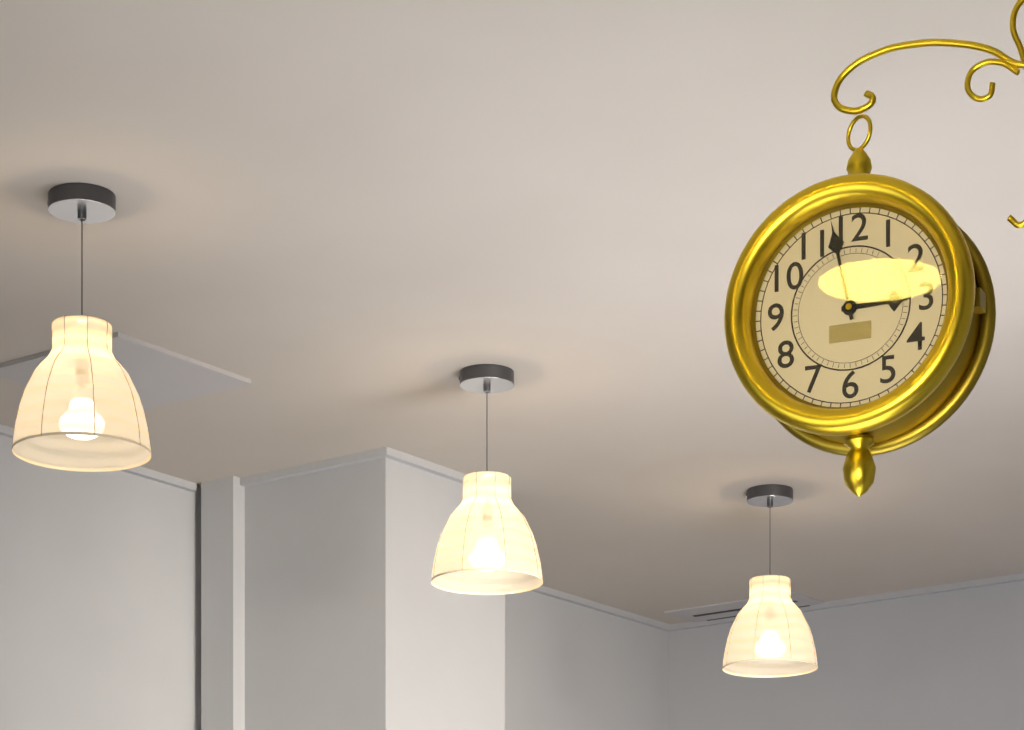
2:58
